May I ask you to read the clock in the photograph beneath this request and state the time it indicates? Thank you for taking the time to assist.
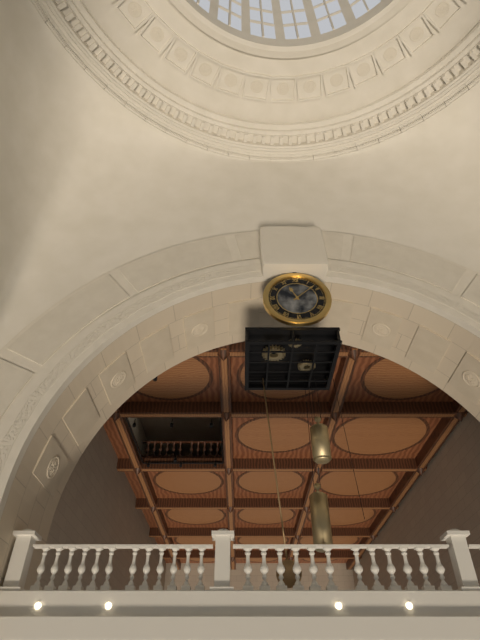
11:08
